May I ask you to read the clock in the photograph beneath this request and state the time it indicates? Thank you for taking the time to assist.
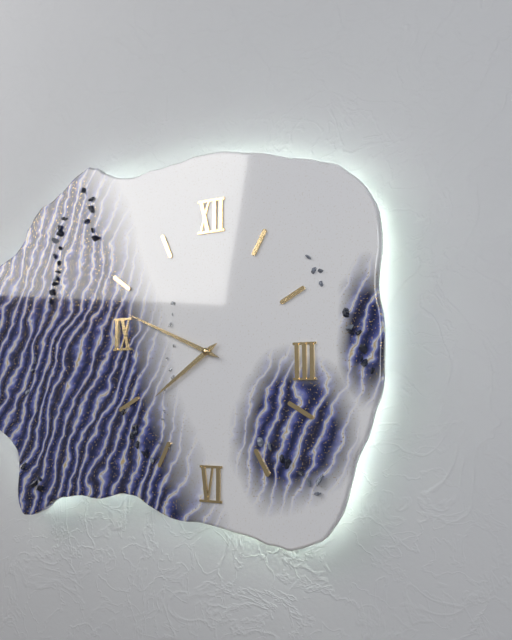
7:49
